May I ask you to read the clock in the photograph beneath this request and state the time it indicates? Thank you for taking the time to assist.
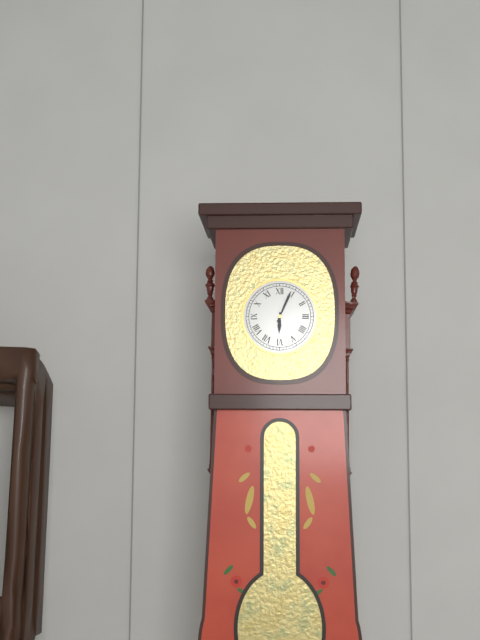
6:04
